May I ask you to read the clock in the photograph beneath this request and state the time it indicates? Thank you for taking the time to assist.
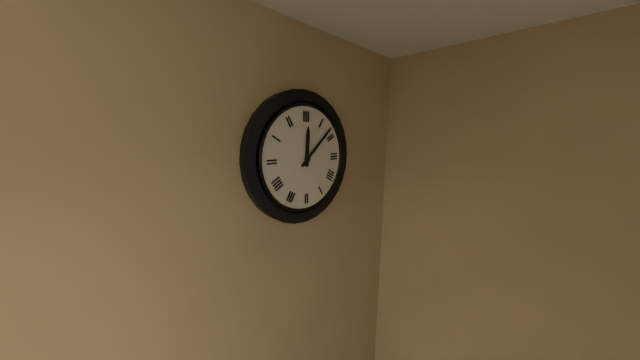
12:08
